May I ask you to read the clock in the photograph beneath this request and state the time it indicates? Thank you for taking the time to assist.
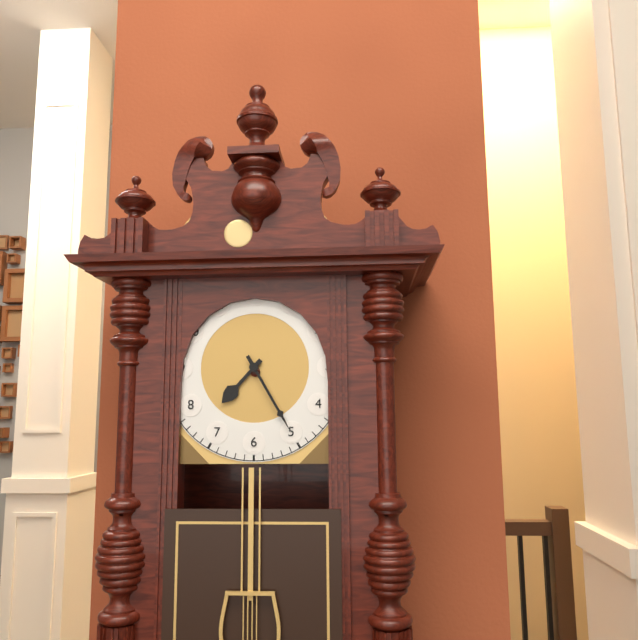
7:25
